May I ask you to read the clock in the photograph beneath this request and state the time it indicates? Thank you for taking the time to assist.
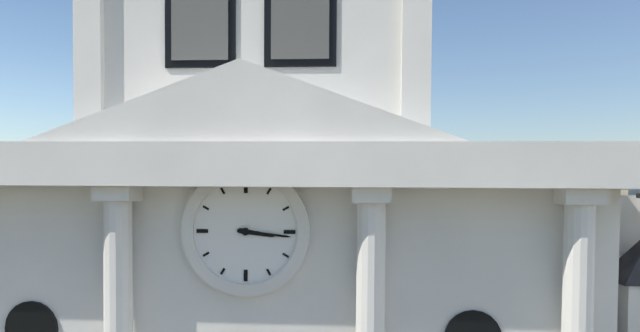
3:16
